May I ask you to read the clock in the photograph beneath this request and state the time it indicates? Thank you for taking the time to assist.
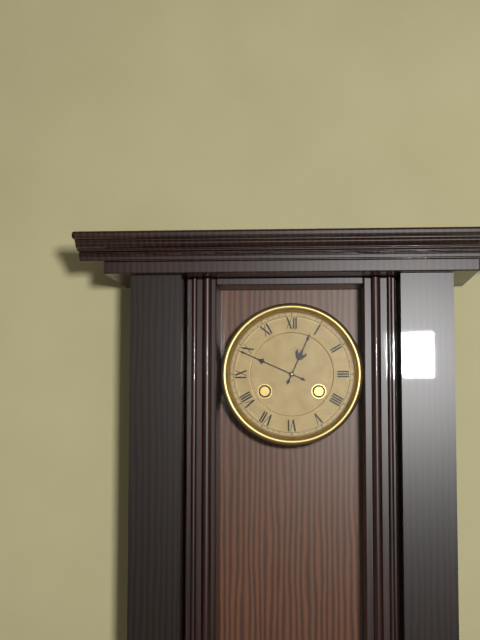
12:49
